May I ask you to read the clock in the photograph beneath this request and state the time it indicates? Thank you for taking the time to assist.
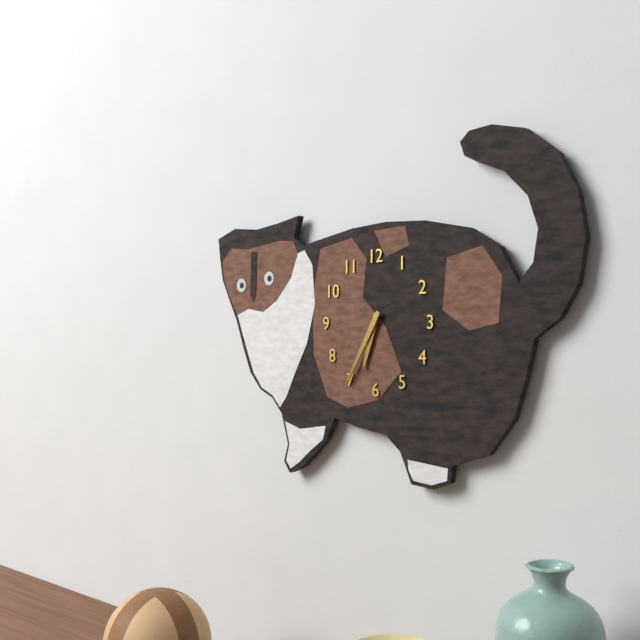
6:35
